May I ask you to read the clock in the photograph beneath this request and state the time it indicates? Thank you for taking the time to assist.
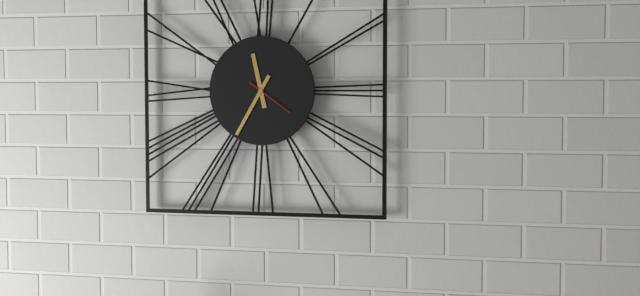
11:35
